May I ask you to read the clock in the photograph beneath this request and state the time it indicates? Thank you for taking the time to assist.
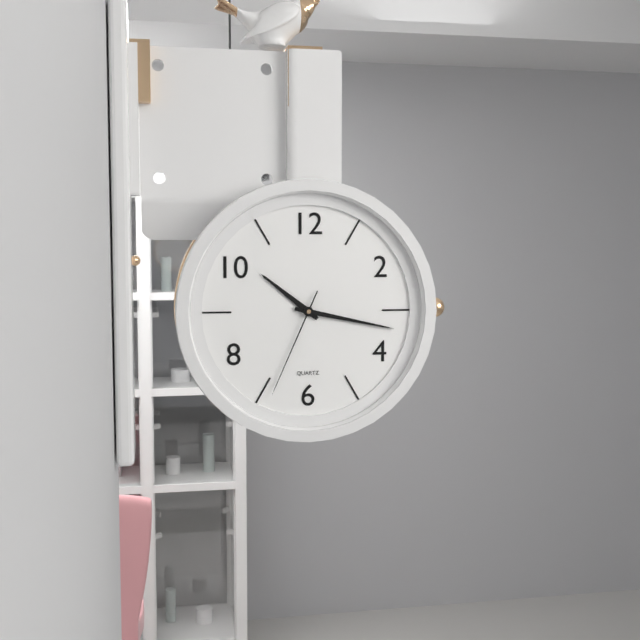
10:17:34
